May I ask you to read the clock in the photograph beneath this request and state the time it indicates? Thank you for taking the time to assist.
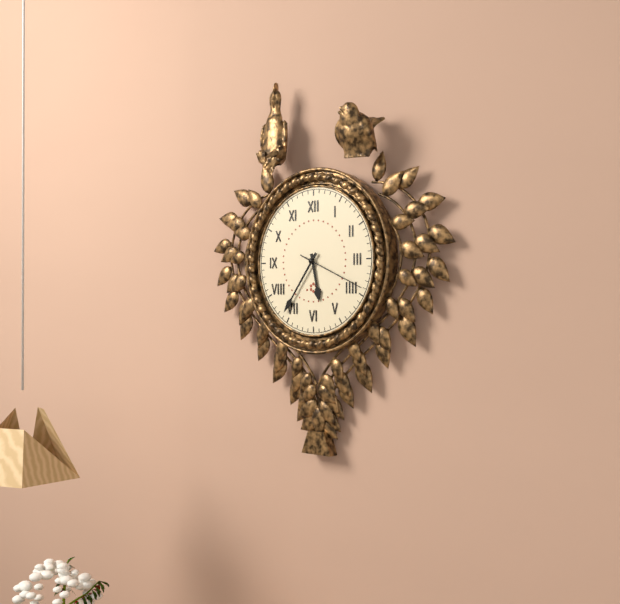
5:36:19
